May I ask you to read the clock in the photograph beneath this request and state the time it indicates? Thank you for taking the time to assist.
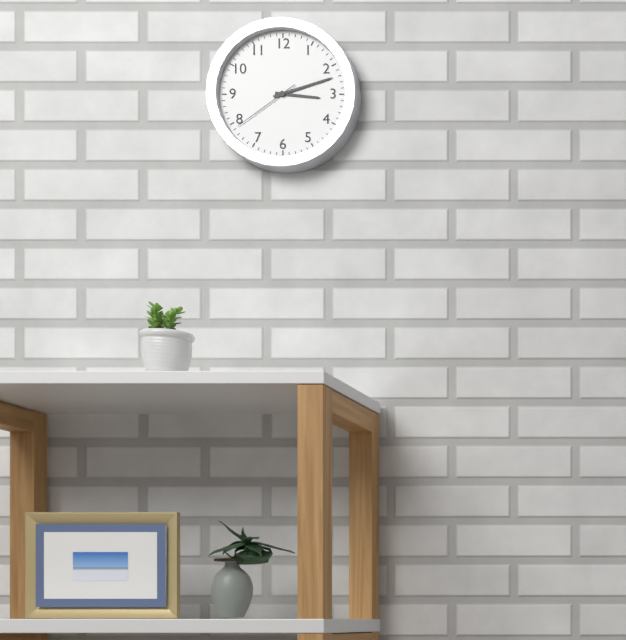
3:12:39
